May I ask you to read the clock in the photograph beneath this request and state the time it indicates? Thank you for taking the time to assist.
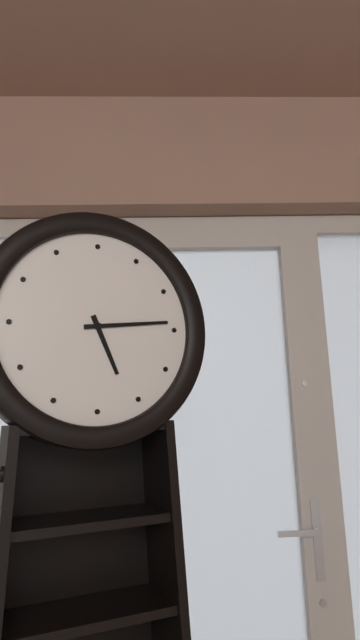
5:14
